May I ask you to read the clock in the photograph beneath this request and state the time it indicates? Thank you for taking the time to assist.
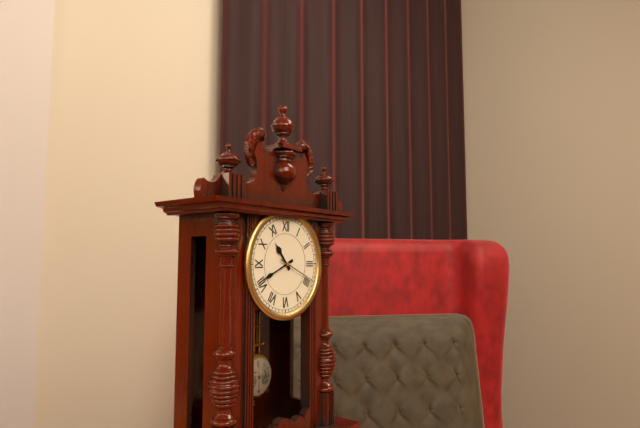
10:41
